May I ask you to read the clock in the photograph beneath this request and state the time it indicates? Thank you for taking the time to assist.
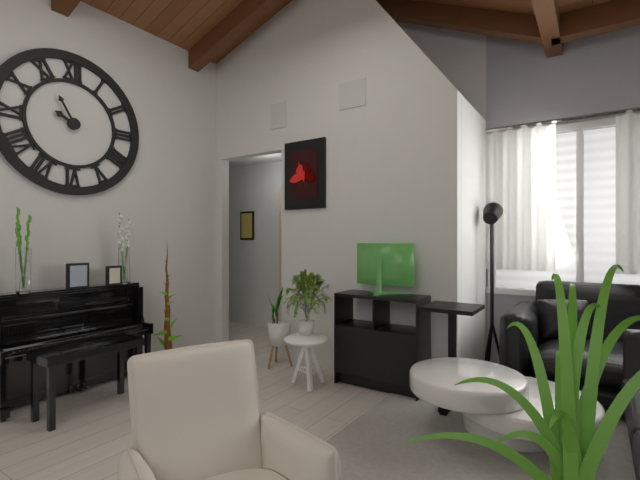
9:55
